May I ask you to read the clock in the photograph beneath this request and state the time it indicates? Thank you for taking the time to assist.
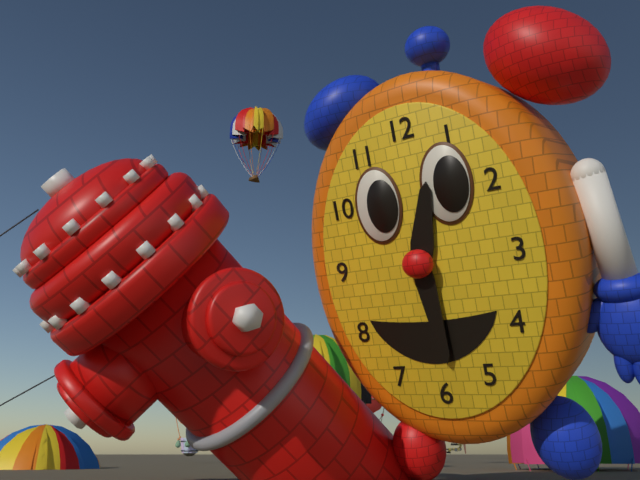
12:29
